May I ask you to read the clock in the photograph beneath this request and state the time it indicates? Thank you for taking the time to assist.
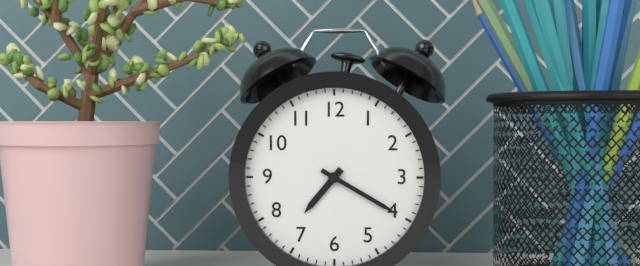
7:20
